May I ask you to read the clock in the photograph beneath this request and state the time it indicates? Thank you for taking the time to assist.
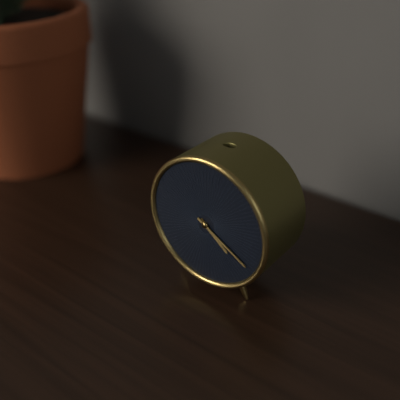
4:20
